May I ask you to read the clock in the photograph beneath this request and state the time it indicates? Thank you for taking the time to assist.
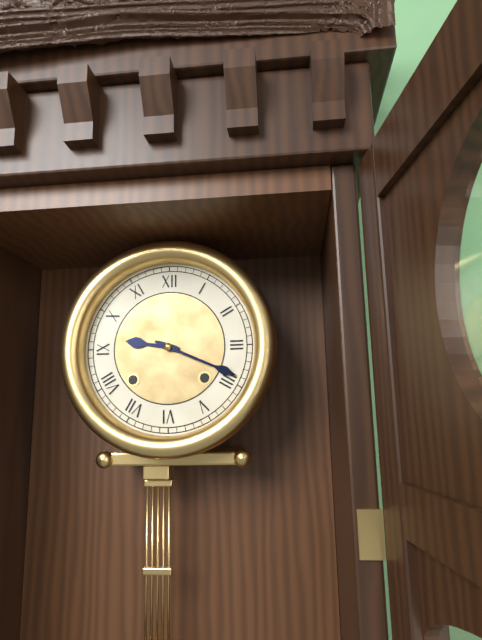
9:19
